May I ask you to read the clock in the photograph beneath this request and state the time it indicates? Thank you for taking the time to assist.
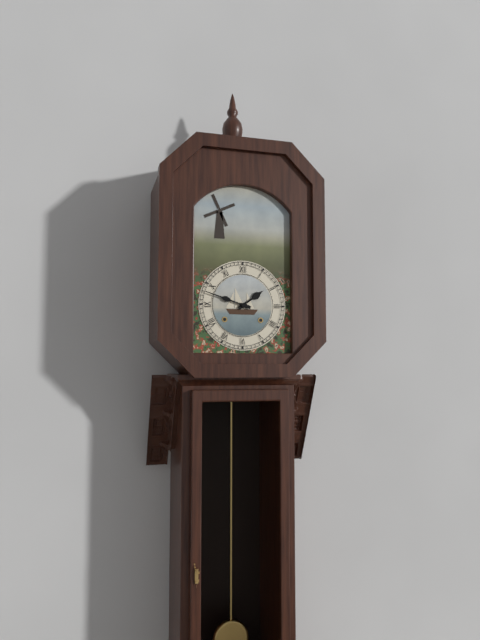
1:48
